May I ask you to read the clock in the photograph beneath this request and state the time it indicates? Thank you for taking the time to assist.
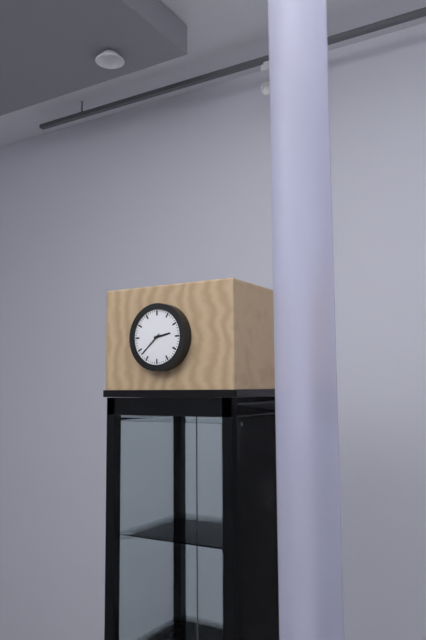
2:38
